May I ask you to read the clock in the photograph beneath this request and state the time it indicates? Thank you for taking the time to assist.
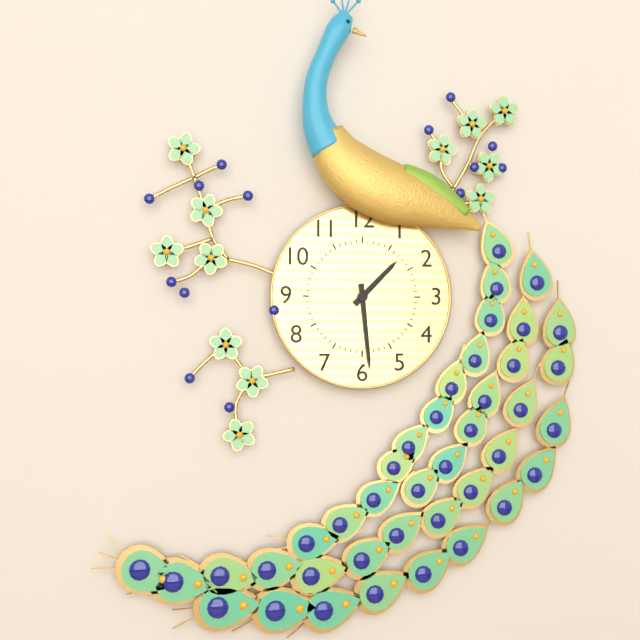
1:29
